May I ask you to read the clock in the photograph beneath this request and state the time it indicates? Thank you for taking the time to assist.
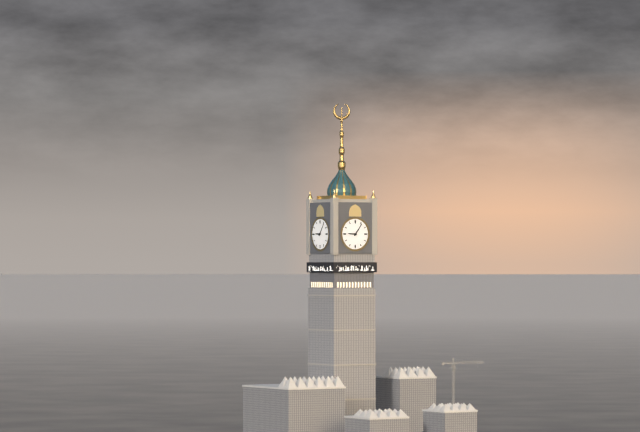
9:06
